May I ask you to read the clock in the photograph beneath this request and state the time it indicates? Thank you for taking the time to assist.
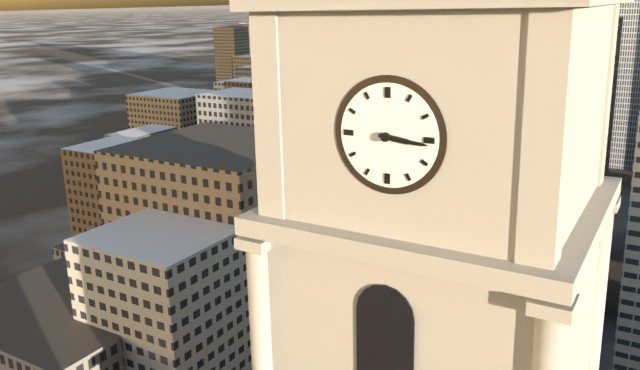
3:16
